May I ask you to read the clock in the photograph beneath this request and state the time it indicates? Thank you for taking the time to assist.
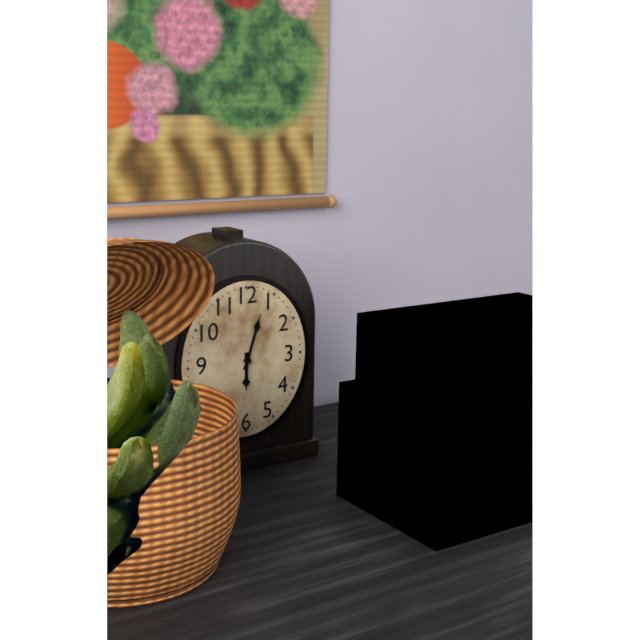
6:03
